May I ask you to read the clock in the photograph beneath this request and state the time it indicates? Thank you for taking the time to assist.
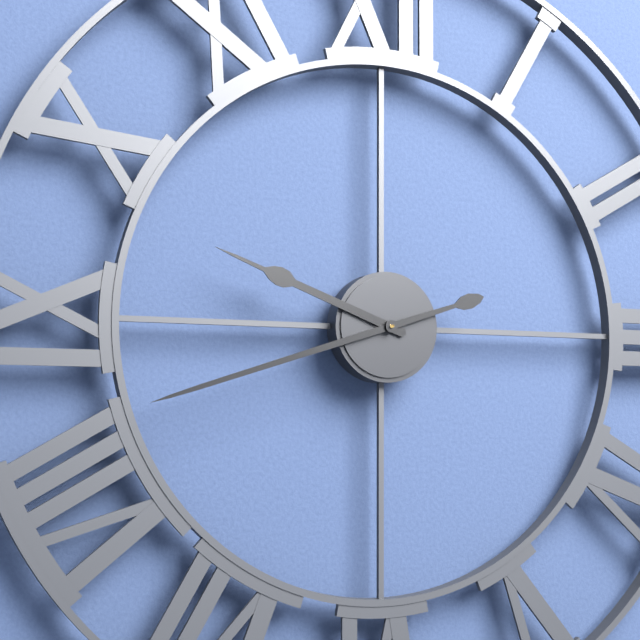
9:42
